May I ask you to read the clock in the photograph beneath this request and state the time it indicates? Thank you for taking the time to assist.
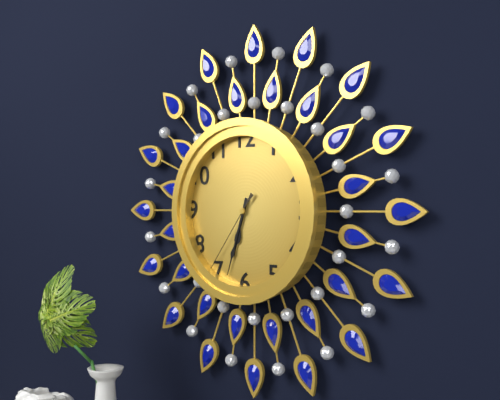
6:33:36
